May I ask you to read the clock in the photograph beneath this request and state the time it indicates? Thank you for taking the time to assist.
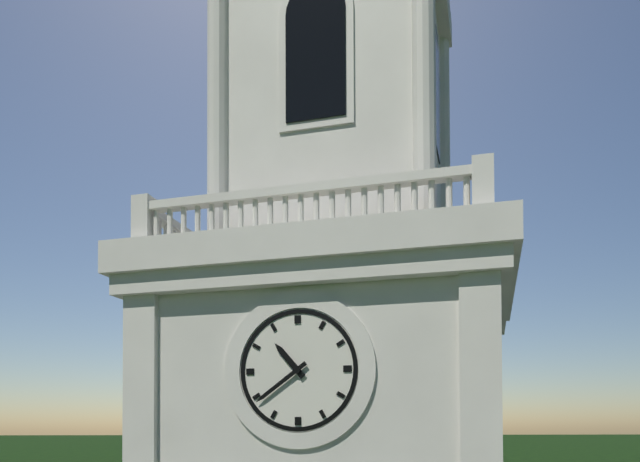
10:39
